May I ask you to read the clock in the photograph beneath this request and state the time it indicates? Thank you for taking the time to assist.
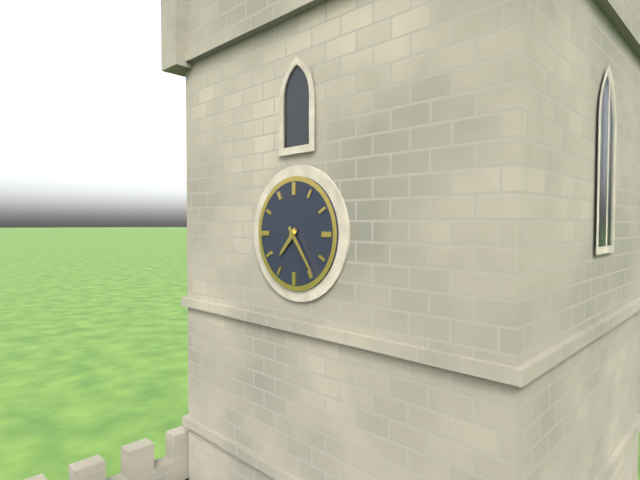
7:24
